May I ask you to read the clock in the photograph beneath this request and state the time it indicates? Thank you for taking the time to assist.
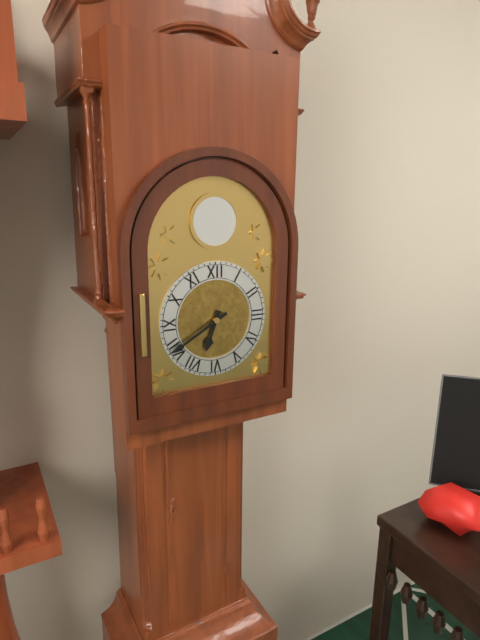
6:40
